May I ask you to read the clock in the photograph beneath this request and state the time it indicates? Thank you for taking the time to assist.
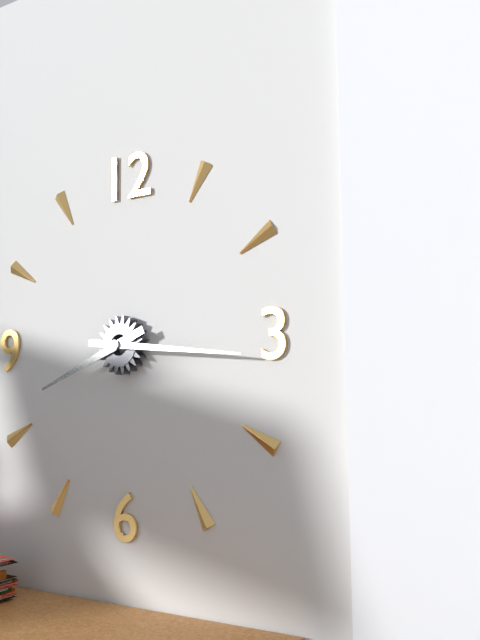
8:16
